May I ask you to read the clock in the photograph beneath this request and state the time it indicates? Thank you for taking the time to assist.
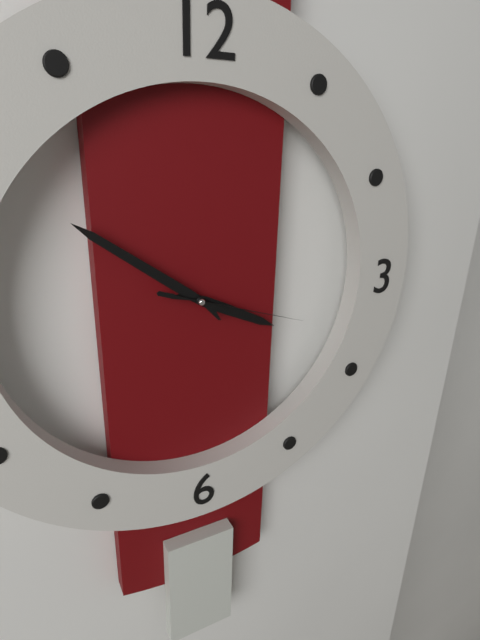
3:51:18
